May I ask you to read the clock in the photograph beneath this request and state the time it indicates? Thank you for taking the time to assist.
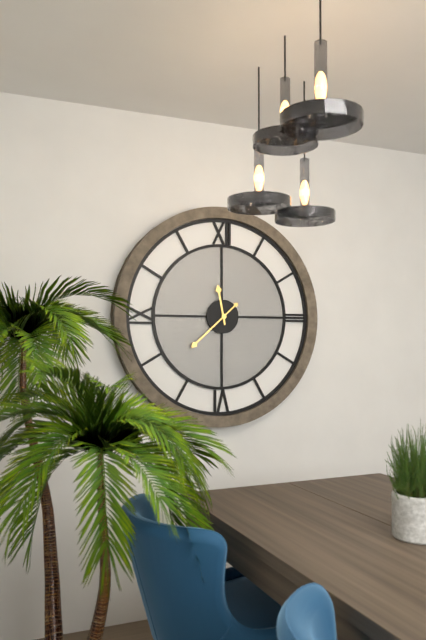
11:38
